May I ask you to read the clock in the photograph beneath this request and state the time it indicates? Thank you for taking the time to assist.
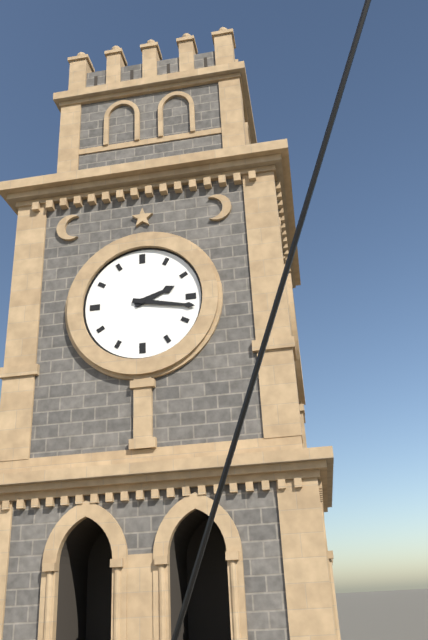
2:17
